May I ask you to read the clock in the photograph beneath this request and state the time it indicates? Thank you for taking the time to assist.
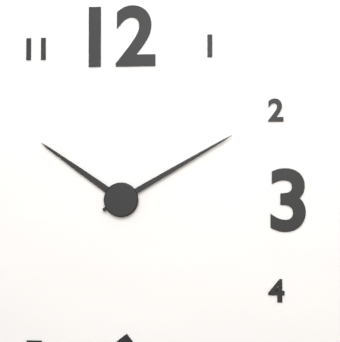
10:10
